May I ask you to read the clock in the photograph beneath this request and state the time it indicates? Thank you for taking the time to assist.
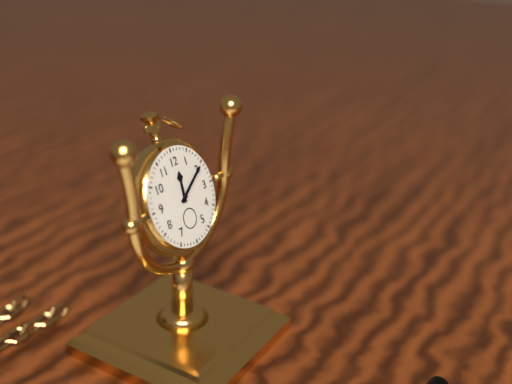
12:10
